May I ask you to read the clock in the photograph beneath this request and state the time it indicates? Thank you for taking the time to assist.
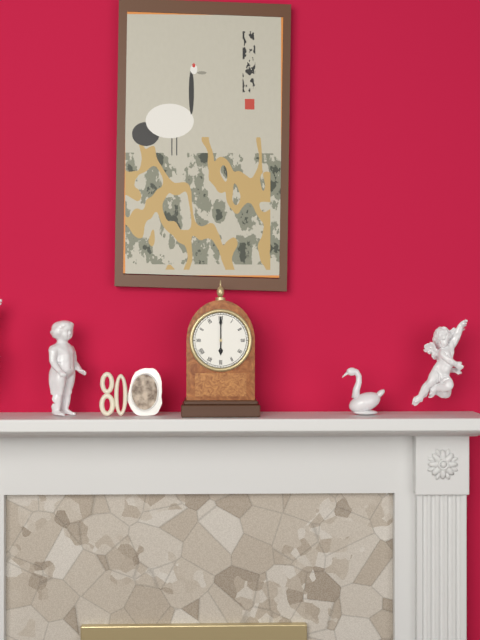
6:00
